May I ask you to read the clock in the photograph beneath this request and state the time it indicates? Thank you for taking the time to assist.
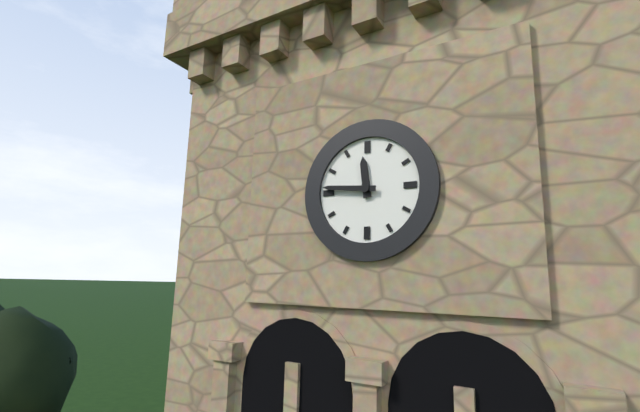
11:46
